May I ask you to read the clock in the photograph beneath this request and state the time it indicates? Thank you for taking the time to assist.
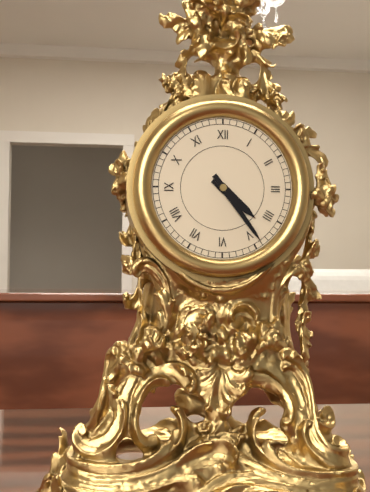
4:24
